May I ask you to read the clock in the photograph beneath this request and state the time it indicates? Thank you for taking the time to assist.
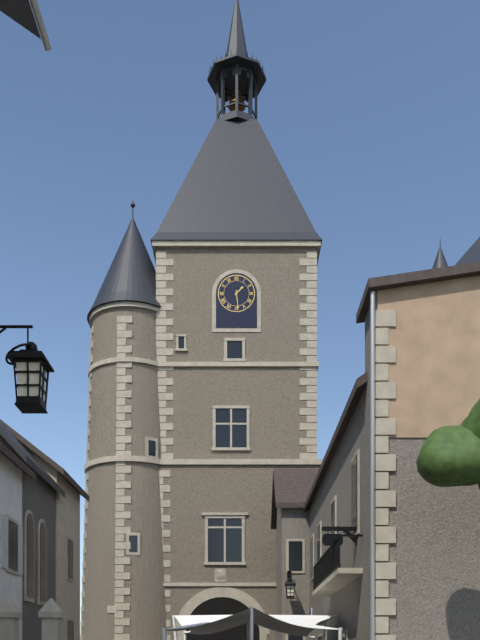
1:29
